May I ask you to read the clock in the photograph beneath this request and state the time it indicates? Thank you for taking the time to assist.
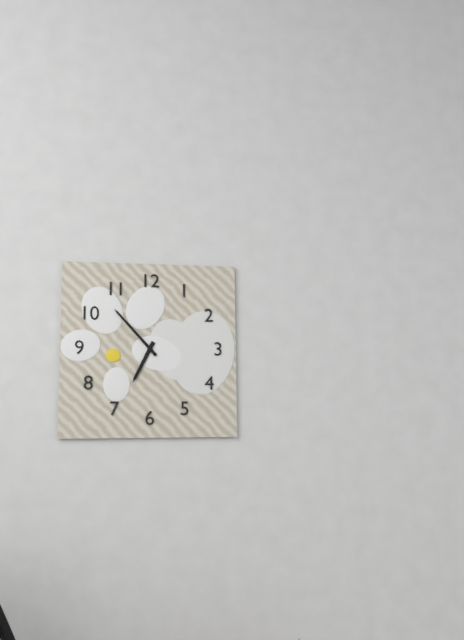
6:53
